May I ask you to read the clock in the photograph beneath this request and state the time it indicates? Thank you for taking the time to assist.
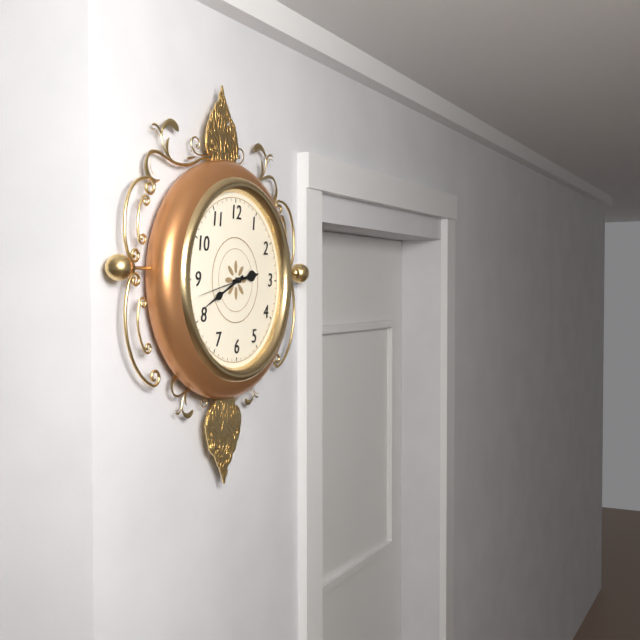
2:41:43
